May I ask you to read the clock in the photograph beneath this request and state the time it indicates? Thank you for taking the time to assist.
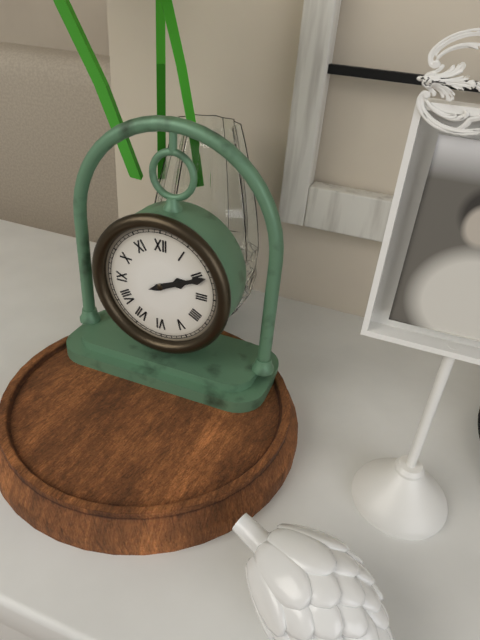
2:11
